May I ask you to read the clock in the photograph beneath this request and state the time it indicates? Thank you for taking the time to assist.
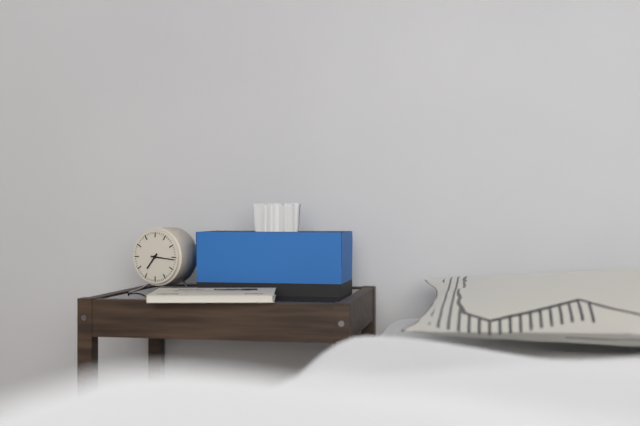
7:16
